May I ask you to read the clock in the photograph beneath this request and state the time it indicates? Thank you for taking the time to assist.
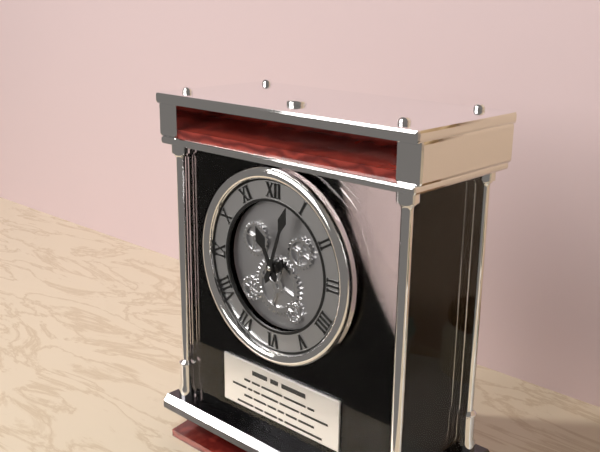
11:03
